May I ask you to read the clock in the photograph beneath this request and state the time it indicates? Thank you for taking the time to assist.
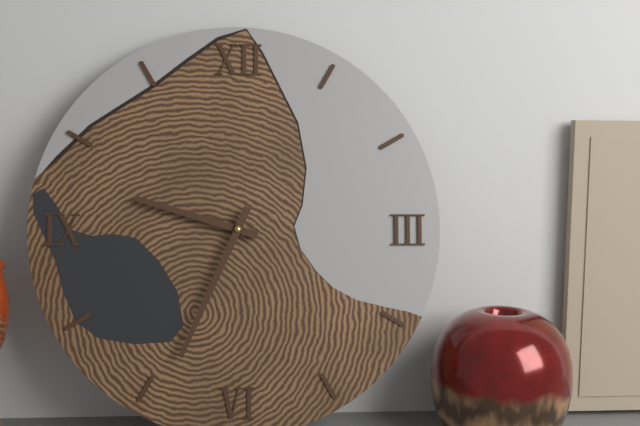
9:34
